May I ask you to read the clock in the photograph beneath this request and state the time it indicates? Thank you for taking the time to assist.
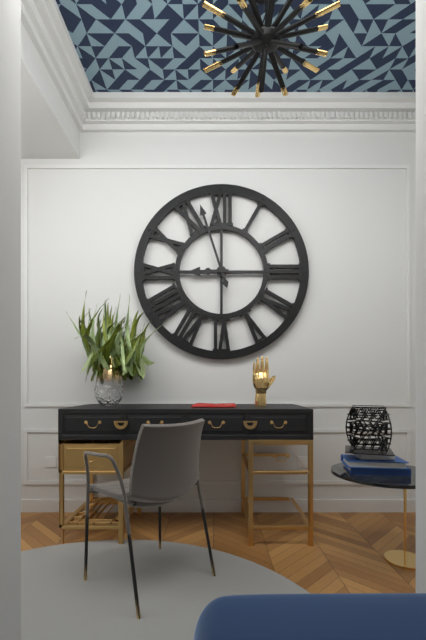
8:57
